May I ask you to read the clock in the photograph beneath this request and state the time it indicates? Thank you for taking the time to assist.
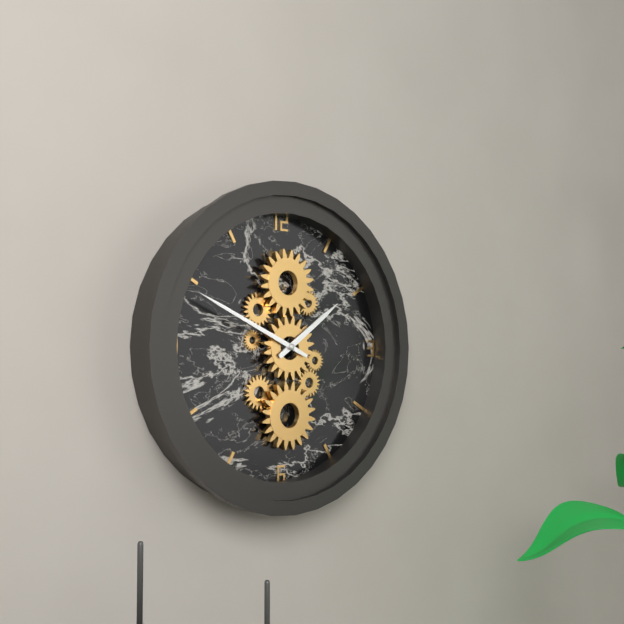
1:49
